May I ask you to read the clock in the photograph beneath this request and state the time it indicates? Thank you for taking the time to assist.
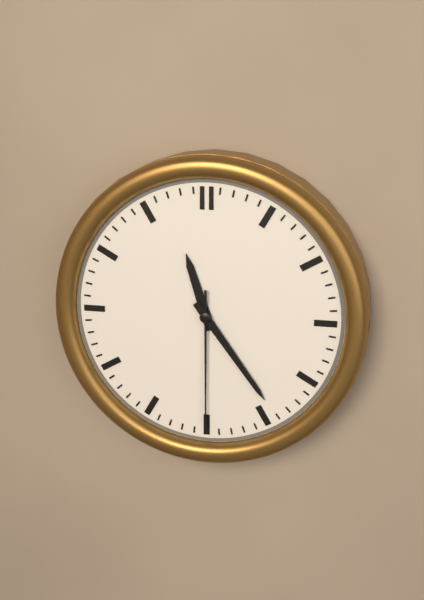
11:24:30
